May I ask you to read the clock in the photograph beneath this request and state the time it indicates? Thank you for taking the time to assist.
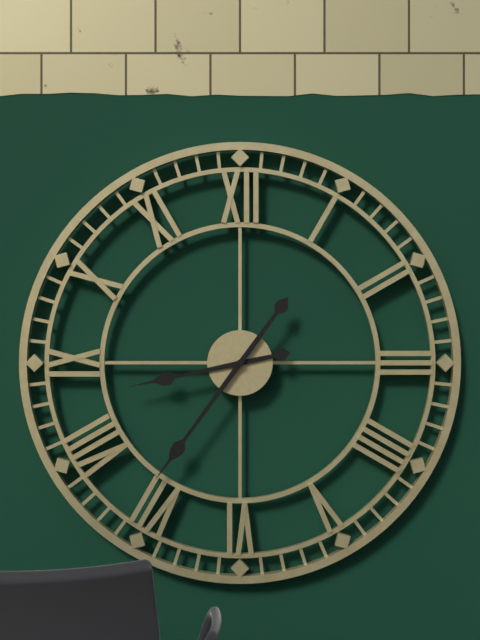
8:36
